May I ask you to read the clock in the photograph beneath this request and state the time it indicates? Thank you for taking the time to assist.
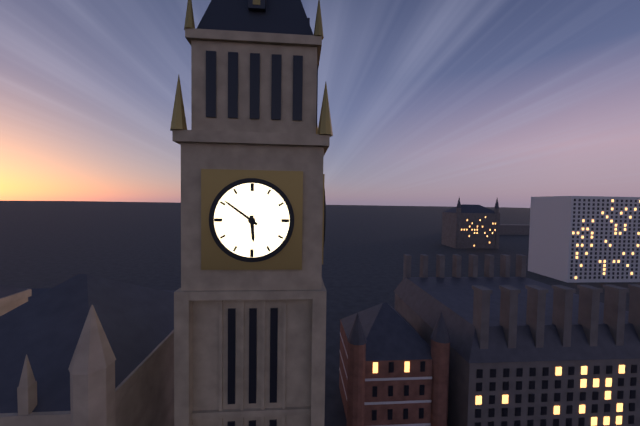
5:51
